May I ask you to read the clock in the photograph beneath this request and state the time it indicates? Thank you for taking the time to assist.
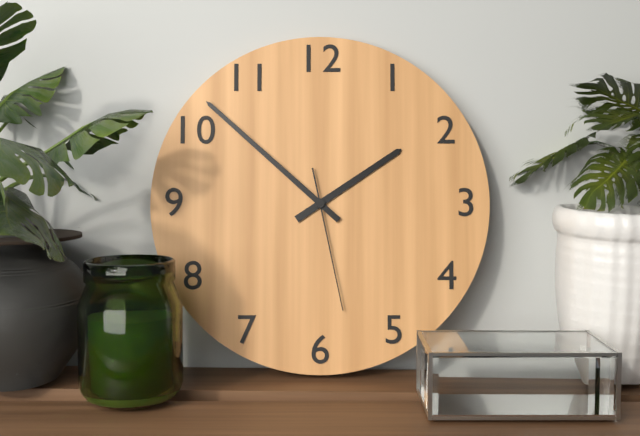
1:52:28
